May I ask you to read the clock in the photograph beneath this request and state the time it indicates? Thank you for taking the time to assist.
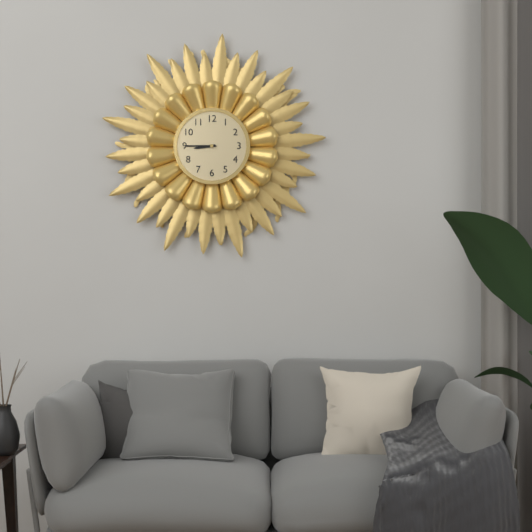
8:45
